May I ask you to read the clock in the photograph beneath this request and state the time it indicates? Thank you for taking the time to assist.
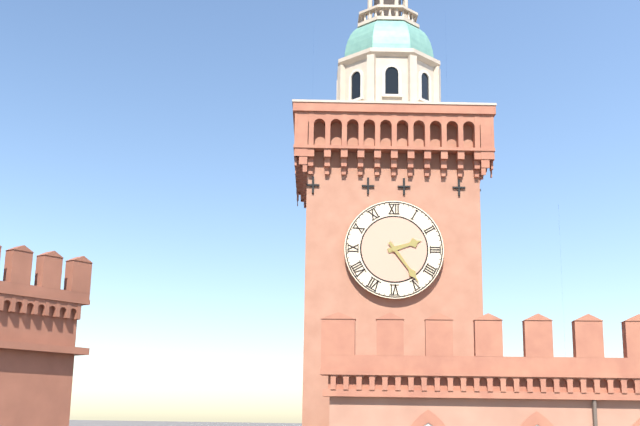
2:24
